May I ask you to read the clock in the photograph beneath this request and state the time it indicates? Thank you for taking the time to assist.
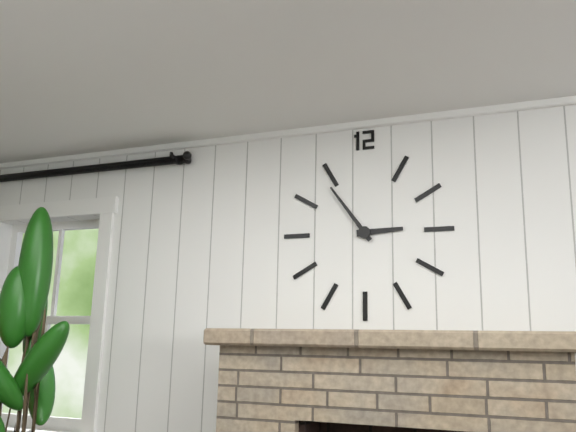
2:54
